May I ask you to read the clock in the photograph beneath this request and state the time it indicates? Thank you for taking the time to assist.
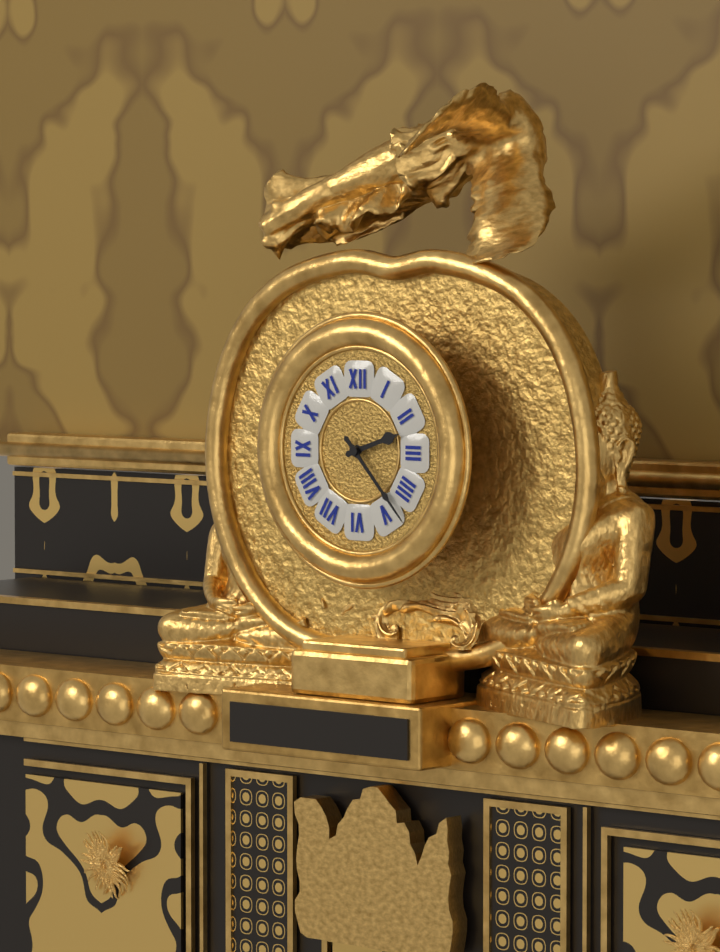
2:23
